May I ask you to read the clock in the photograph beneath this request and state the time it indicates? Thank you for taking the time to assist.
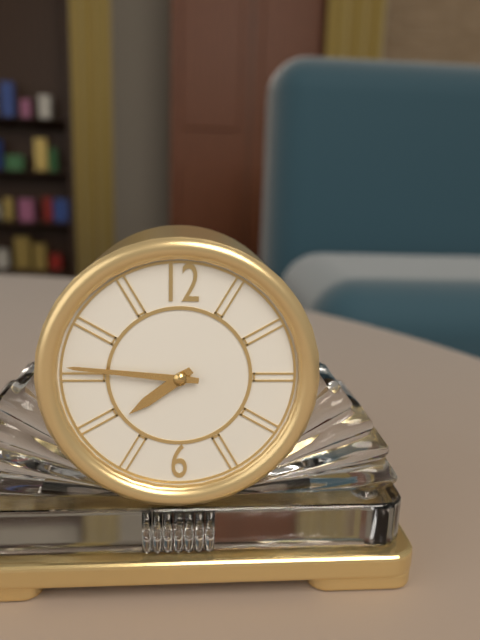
7:46
